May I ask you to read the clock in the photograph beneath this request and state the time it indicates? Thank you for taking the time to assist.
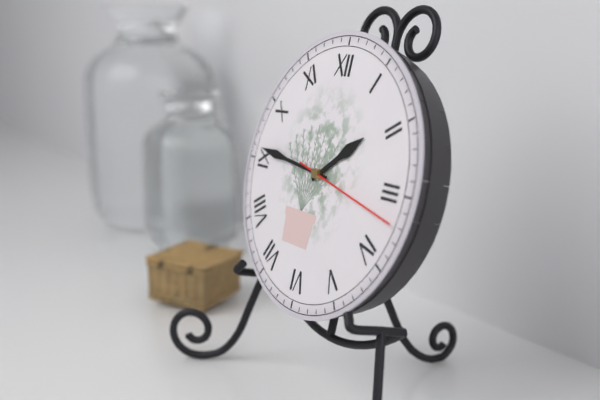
1:46:17
